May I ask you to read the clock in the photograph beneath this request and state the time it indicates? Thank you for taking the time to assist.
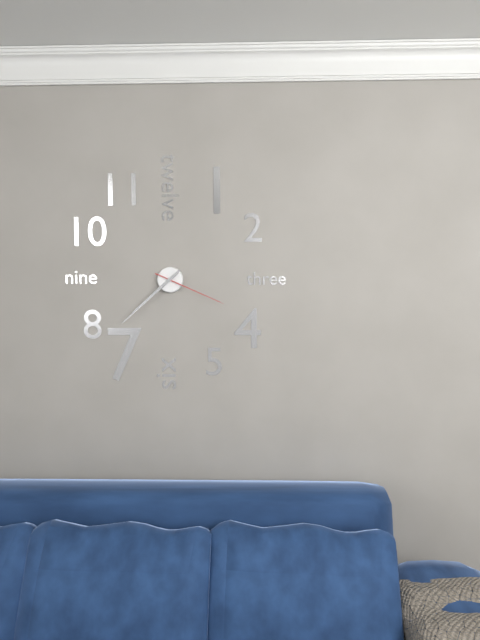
7:38:19
